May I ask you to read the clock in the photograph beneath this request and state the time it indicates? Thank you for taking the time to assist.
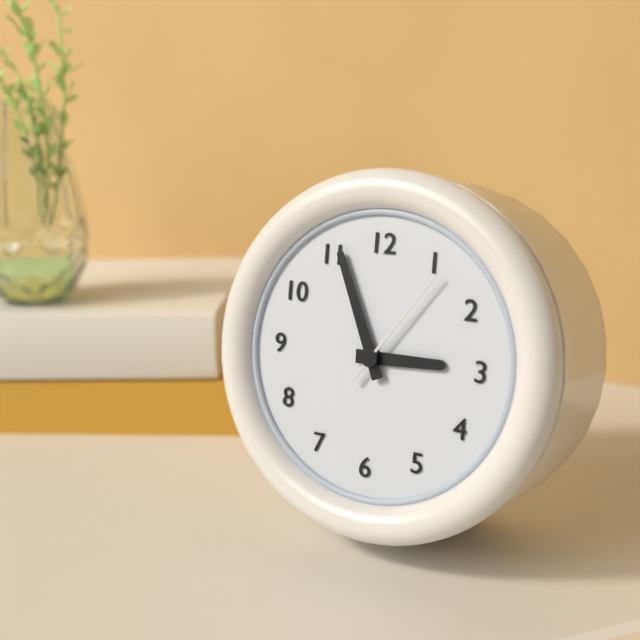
2:56:06
